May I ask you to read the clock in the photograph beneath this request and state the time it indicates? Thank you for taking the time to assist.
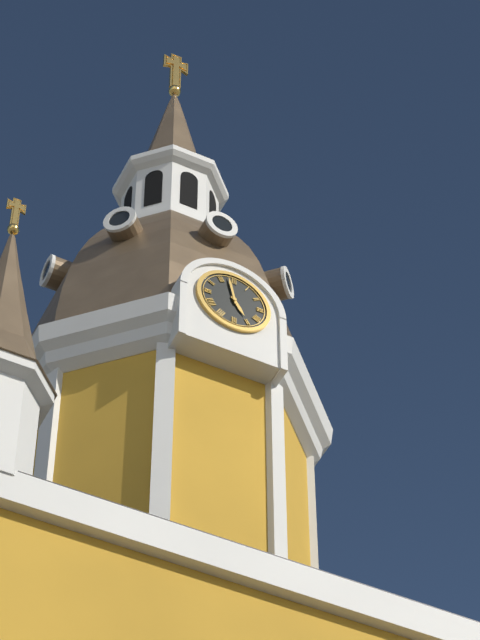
4:58
